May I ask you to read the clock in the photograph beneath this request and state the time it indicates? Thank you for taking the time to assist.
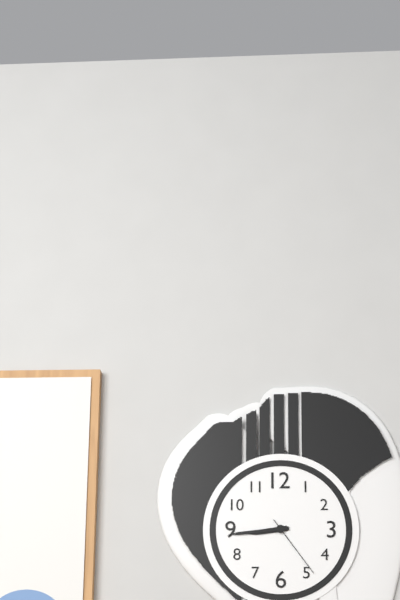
8:44:24
